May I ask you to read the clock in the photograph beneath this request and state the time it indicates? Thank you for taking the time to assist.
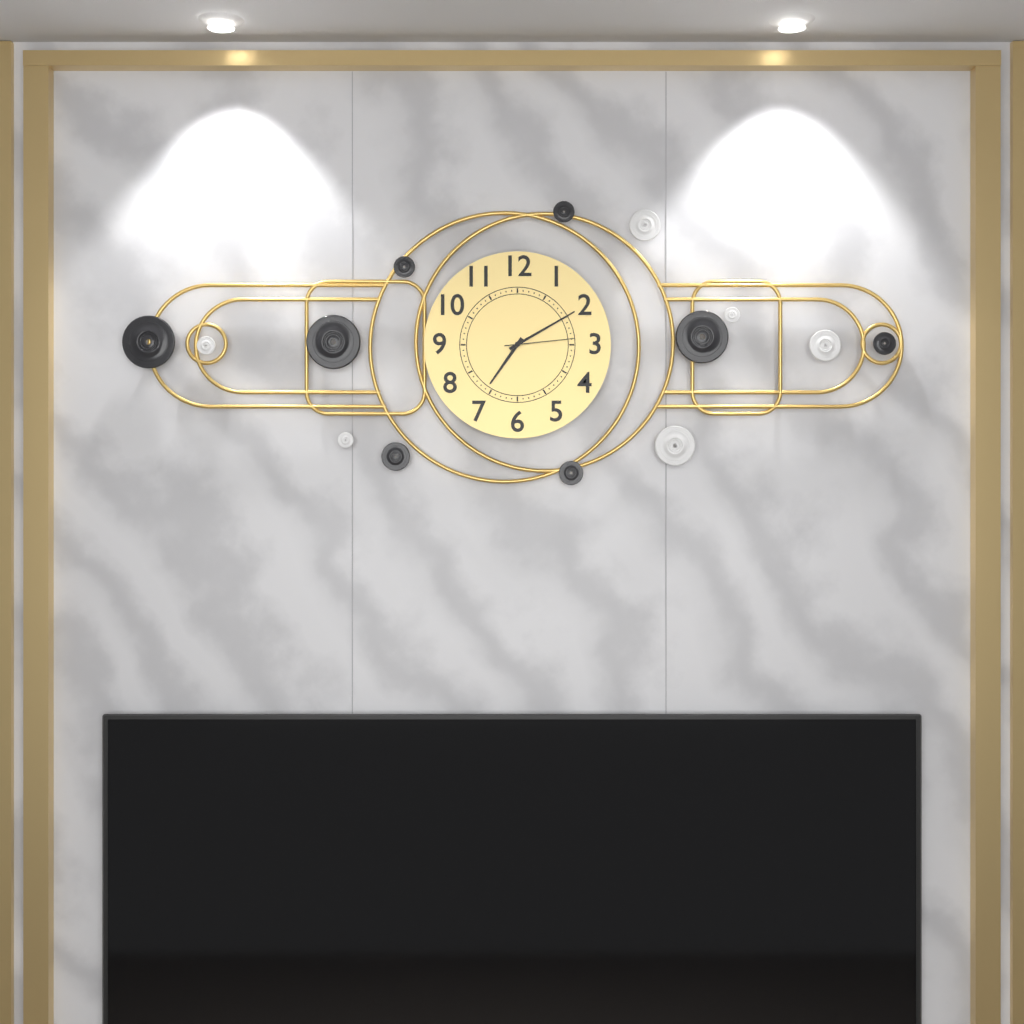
7:10:14
